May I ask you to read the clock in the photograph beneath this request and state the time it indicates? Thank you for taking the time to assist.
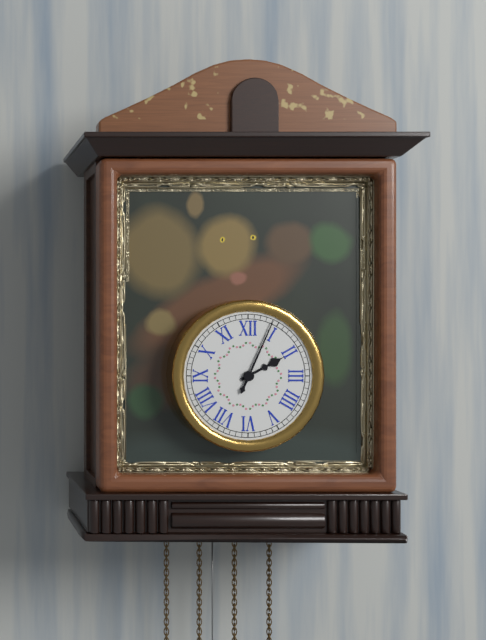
2:04
